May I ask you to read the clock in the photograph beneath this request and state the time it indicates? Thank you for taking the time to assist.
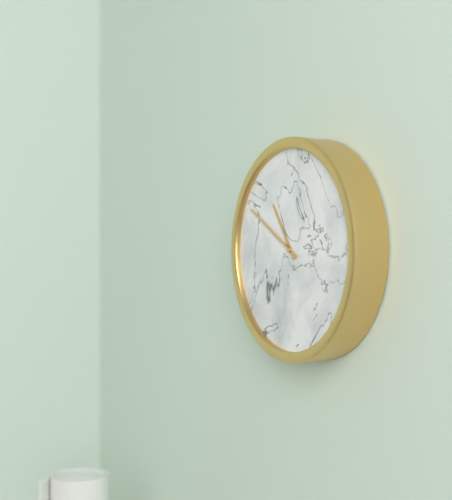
10:50
